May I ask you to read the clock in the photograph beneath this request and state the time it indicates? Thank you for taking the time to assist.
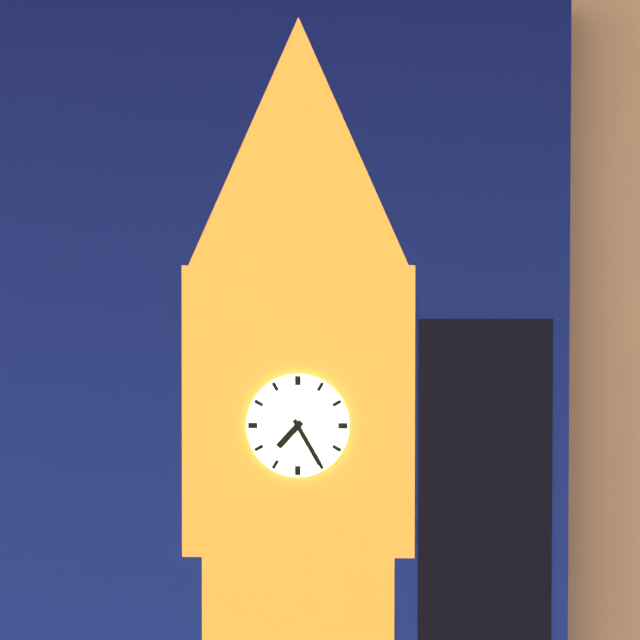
7:25
